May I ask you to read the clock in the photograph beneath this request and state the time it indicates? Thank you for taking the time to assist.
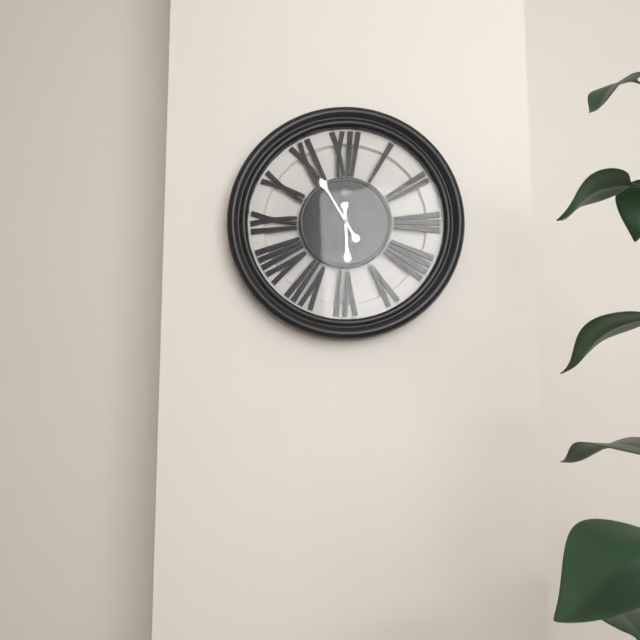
5:55
